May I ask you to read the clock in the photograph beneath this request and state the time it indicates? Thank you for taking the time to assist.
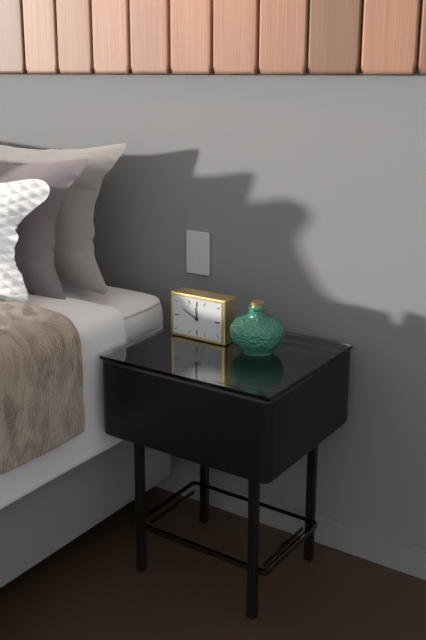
11:49
